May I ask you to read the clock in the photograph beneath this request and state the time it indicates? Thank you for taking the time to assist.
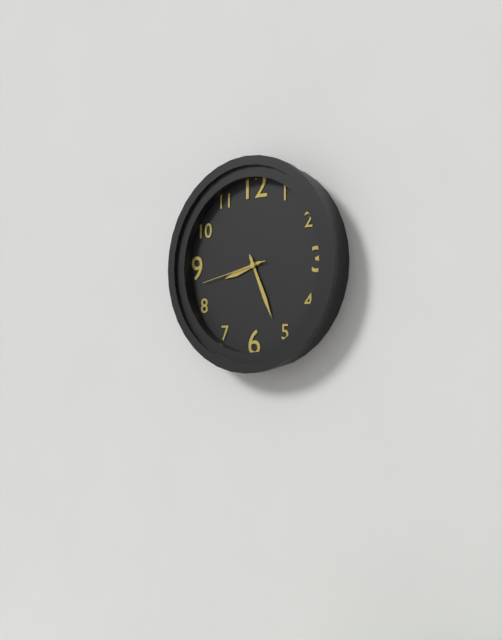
8:26:43
